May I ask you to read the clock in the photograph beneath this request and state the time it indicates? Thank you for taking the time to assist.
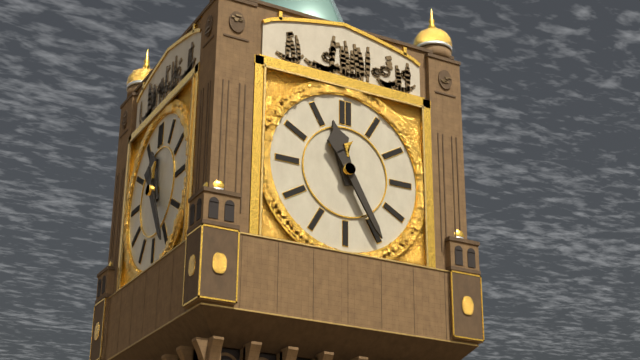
11:25
